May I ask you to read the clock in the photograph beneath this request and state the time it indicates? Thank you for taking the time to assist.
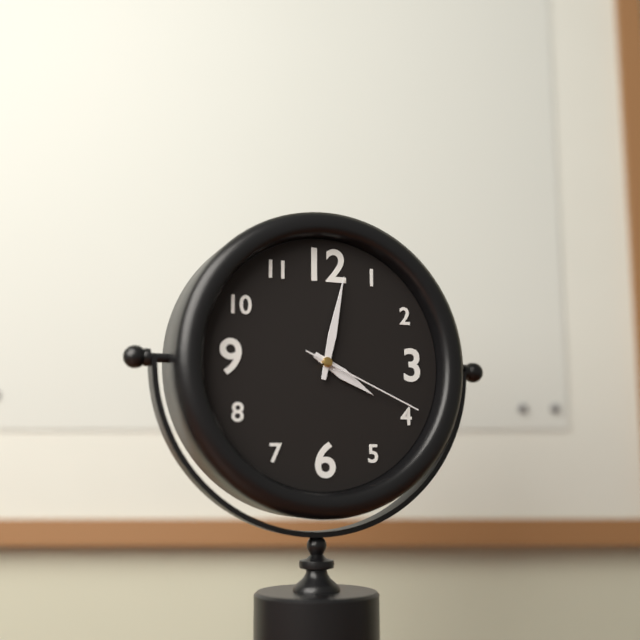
4:02:19
